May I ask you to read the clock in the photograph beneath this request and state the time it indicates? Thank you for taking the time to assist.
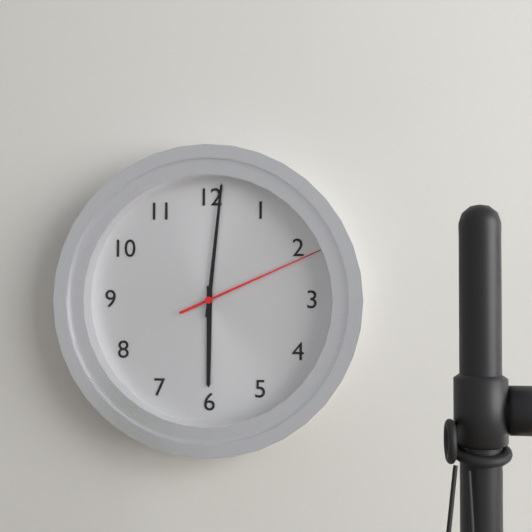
6:01:11
